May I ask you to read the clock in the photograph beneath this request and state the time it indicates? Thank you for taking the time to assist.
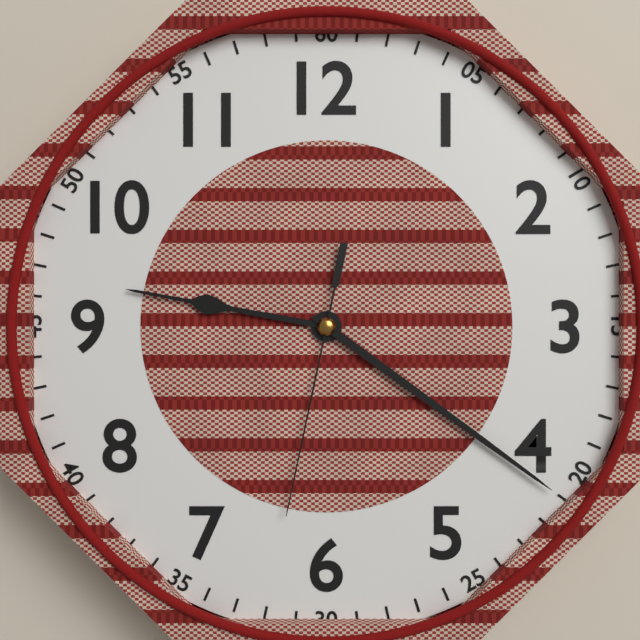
9:21:32
